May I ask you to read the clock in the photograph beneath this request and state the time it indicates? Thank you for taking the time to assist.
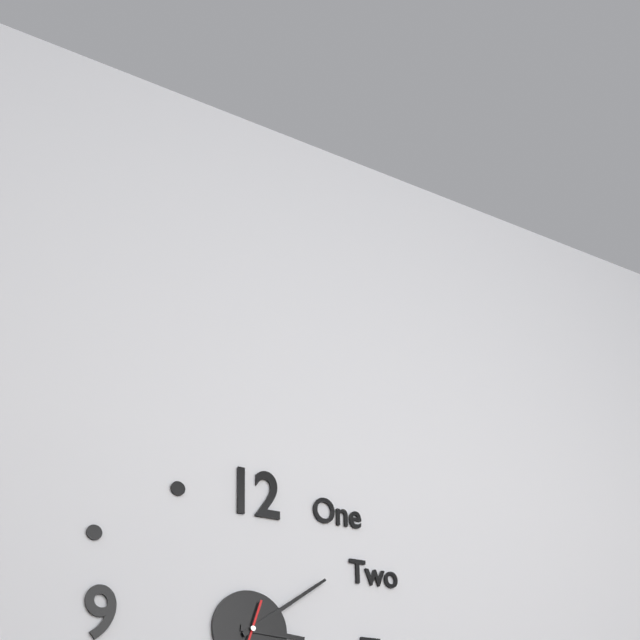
3:09
